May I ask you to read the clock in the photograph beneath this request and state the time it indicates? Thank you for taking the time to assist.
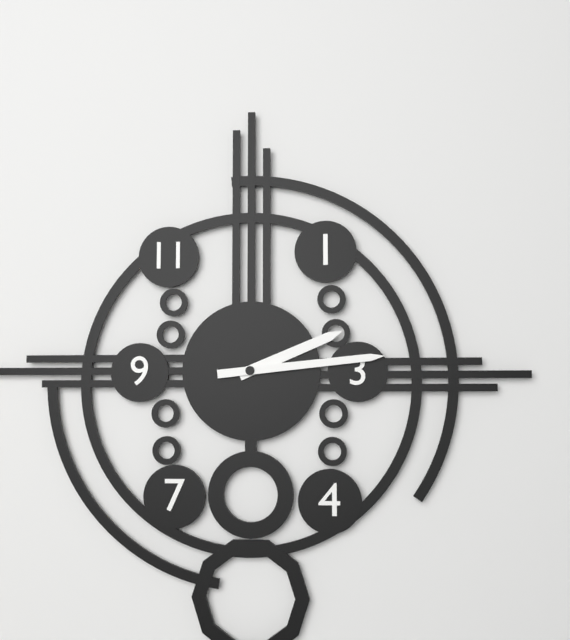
2:14
